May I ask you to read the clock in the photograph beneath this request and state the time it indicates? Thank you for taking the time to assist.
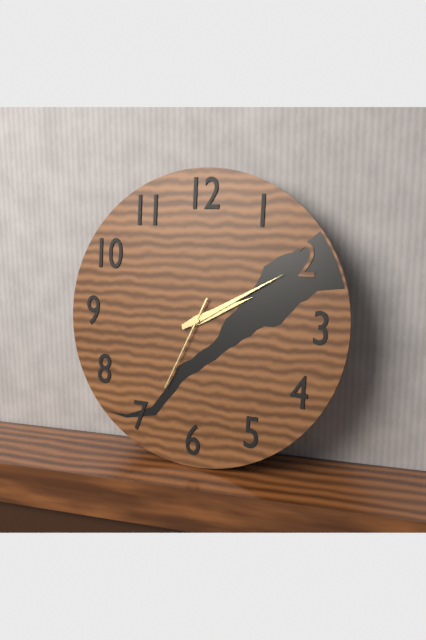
2:10:34
